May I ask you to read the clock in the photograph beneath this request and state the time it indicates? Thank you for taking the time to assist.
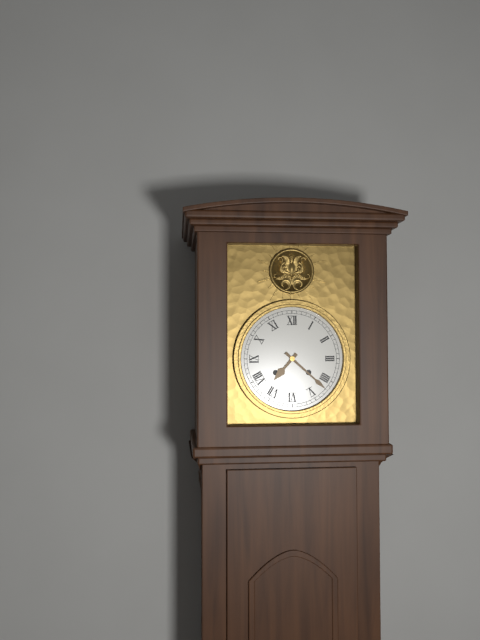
7:22
